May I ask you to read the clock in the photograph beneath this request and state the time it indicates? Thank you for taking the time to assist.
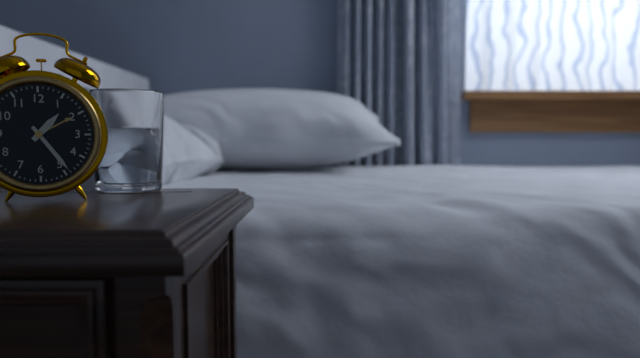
1:24
